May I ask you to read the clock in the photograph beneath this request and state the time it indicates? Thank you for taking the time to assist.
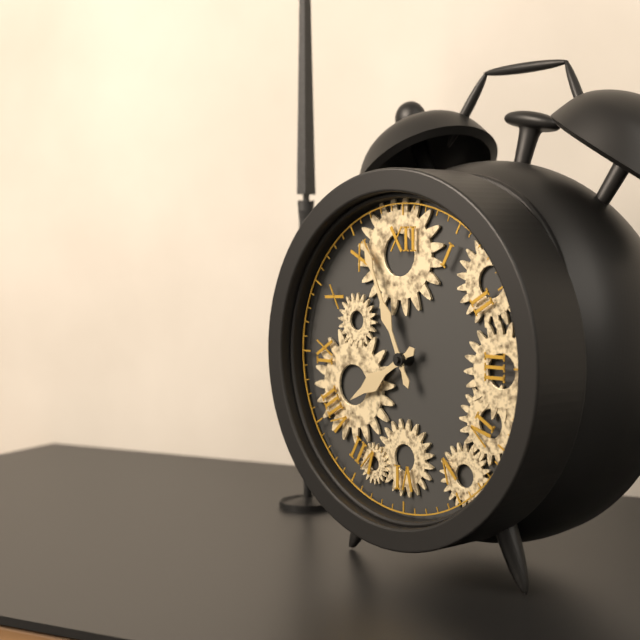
7:56
